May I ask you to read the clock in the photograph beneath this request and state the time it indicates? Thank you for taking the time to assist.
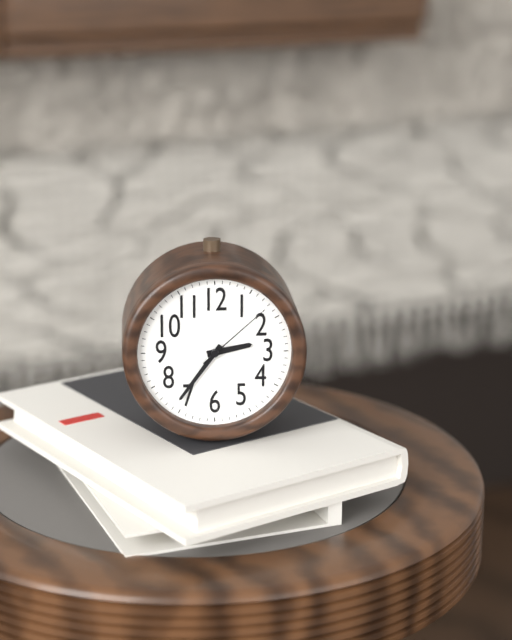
2:36:08
